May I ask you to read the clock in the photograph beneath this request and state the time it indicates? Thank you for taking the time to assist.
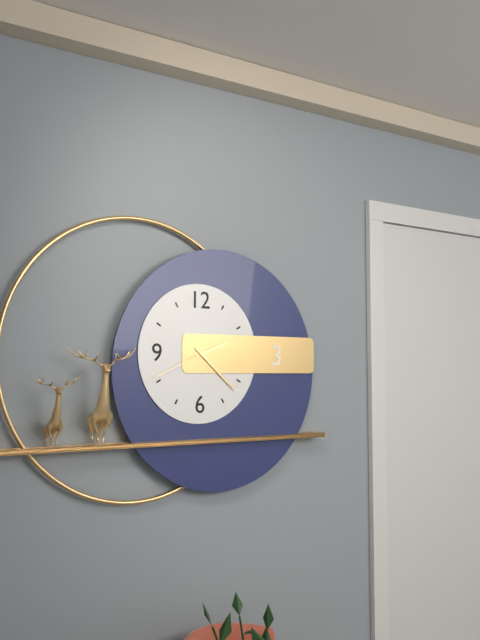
2:22:41
